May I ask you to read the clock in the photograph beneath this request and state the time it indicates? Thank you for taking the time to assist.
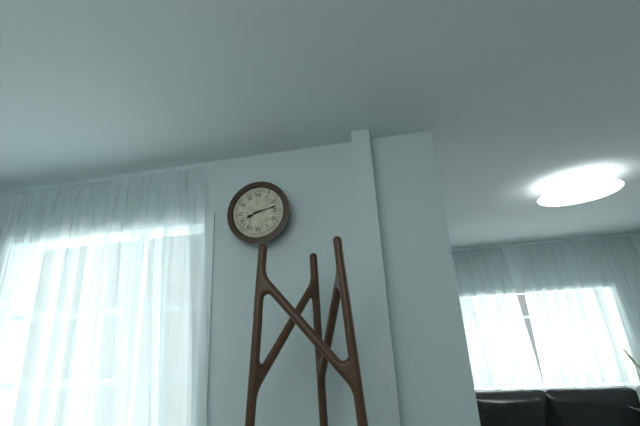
8:13
